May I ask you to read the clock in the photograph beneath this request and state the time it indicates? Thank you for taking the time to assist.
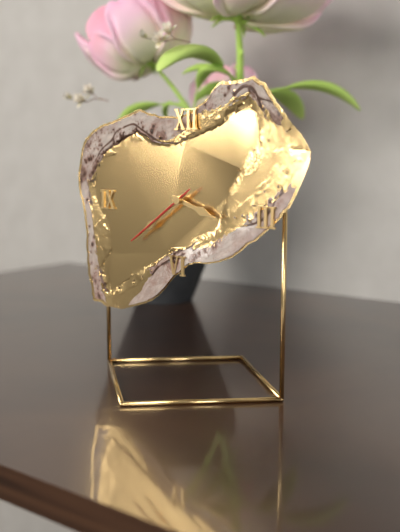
3:39:39
